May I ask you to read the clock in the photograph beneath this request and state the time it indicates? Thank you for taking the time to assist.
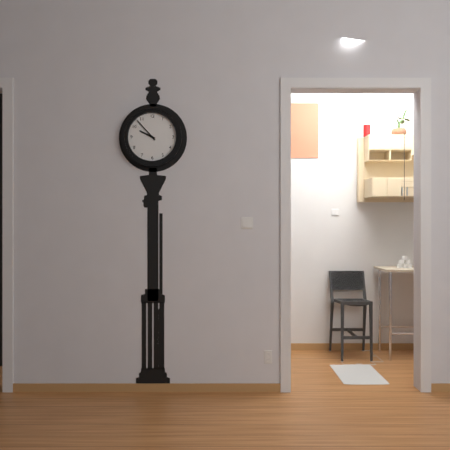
9:53
